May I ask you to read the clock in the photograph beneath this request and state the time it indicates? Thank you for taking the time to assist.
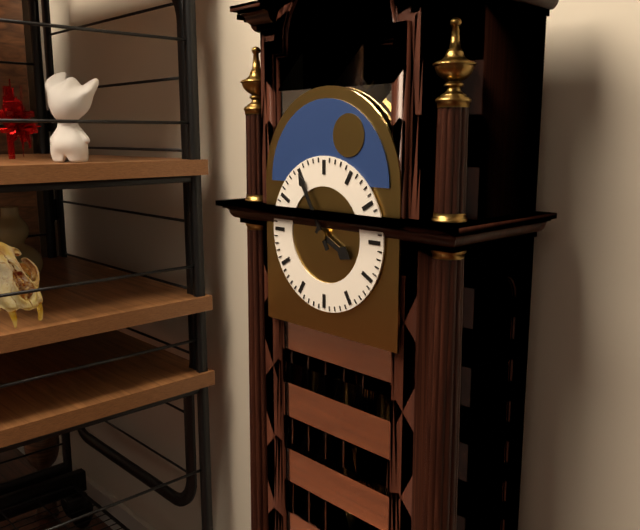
3:55
